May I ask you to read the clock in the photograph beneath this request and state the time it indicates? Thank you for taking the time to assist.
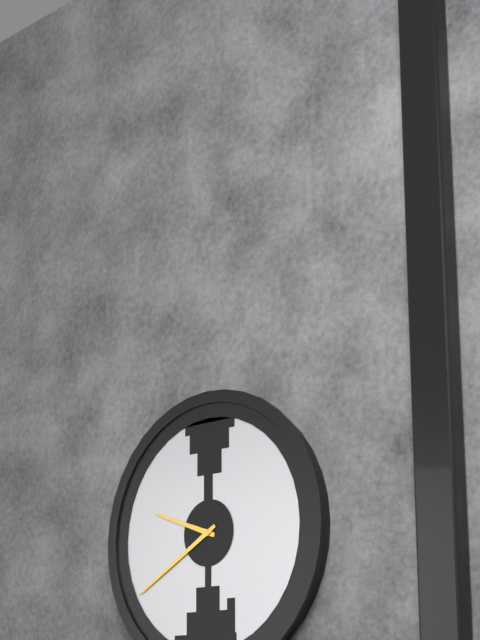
9:40
